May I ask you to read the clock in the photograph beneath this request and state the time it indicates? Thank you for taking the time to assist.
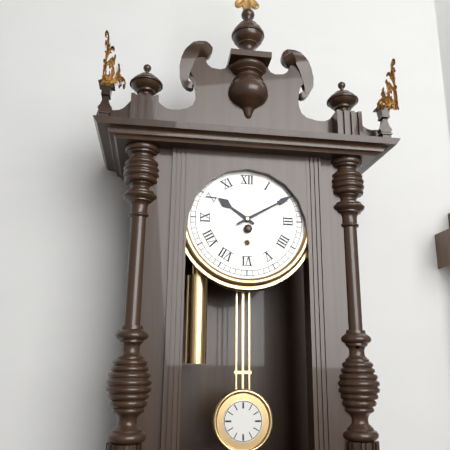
10:10
